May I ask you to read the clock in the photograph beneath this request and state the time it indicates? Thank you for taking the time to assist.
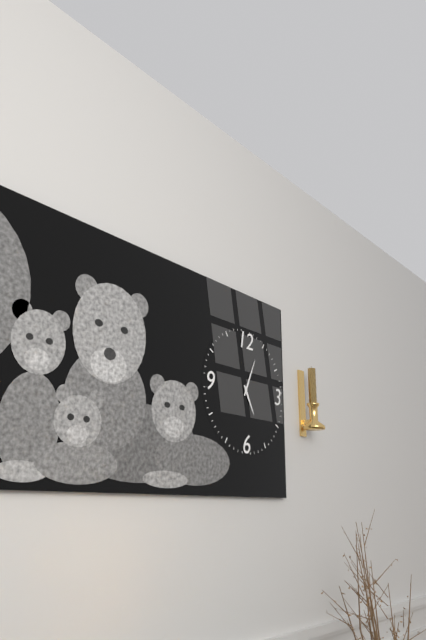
5:04
